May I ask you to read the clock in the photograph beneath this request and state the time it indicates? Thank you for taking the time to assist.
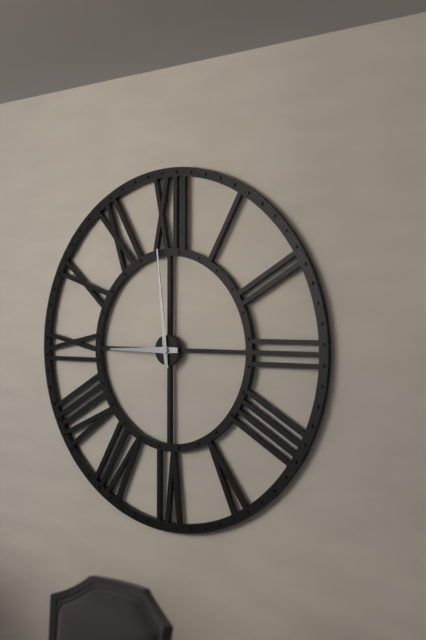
8:59
